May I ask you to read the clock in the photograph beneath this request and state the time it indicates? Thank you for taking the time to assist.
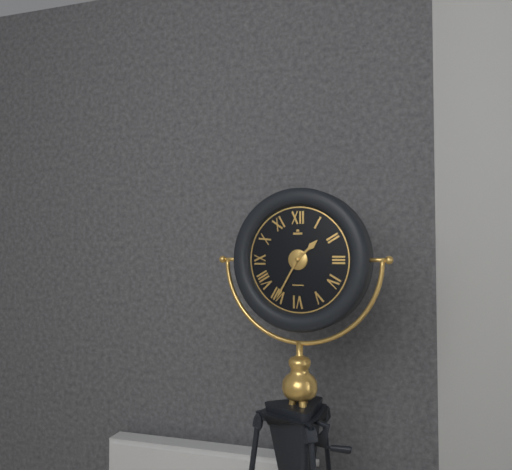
1:35
